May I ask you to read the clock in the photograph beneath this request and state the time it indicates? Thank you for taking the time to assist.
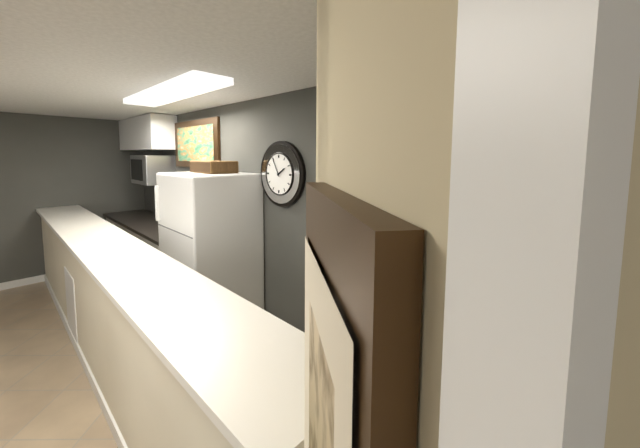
1:55
